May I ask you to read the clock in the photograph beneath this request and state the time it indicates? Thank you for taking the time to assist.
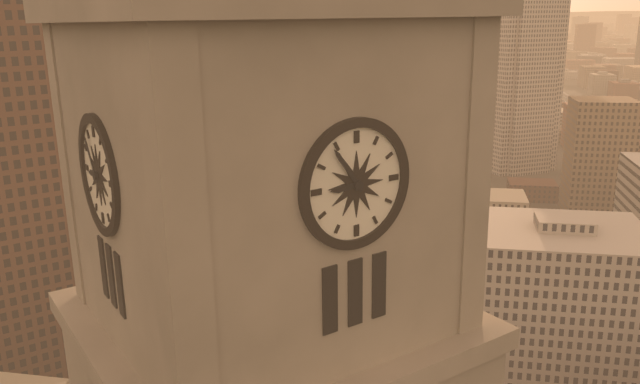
8:54
